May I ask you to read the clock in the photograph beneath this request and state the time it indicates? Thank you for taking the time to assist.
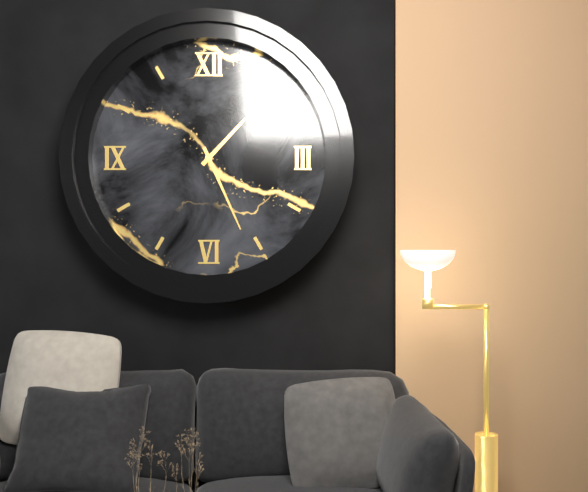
1:26
